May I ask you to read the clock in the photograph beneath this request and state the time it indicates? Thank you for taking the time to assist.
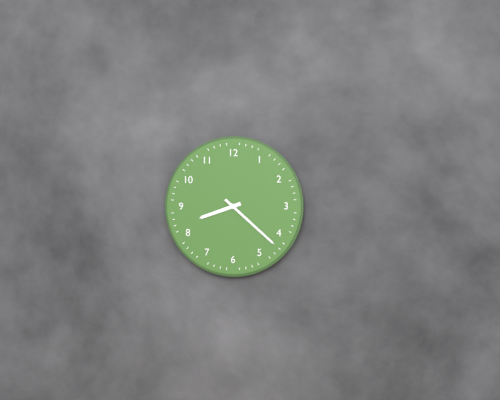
8:22
